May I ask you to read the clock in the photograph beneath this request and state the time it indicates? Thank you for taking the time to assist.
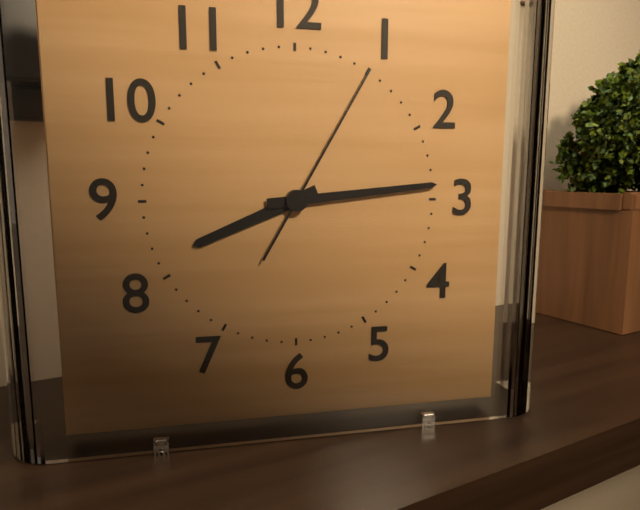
8:14:05
